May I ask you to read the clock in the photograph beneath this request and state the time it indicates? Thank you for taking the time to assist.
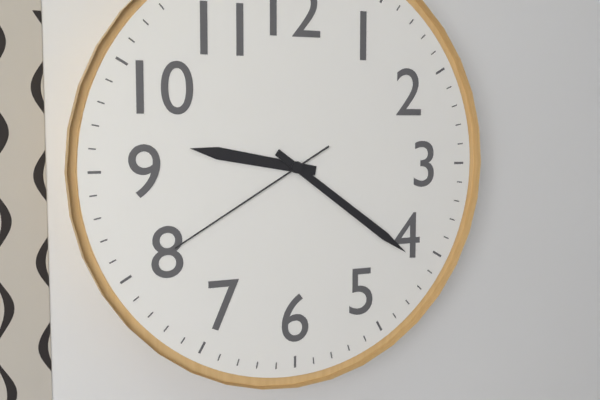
9:21:40
